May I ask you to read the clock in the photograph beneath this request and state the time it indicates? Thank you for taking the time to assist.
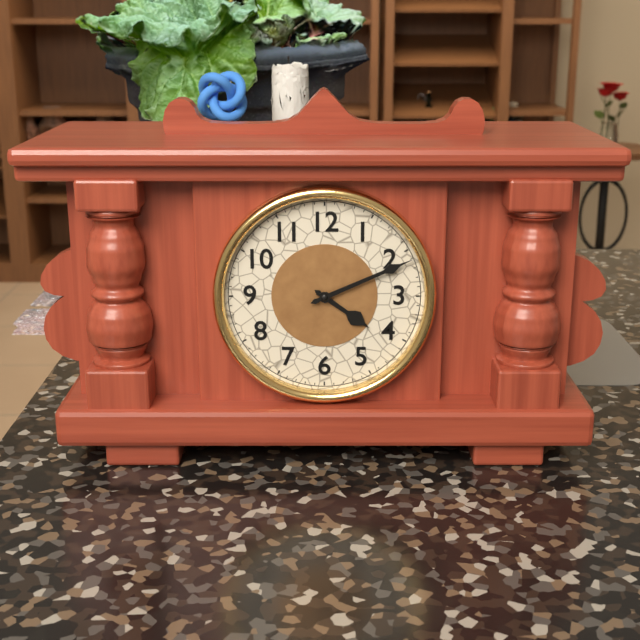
4:11
